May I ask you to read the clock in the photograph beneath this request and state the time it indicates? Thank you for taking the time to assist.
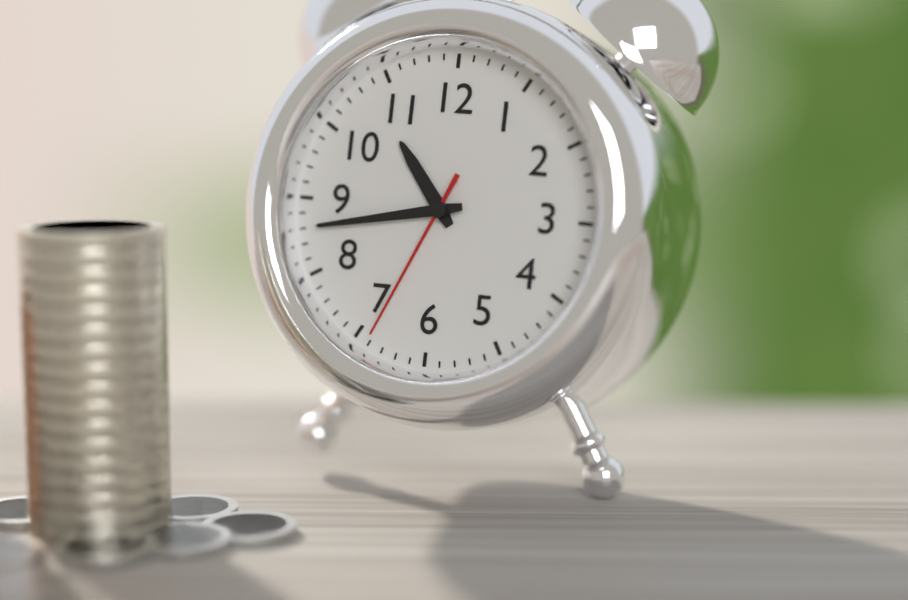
10:43:34
